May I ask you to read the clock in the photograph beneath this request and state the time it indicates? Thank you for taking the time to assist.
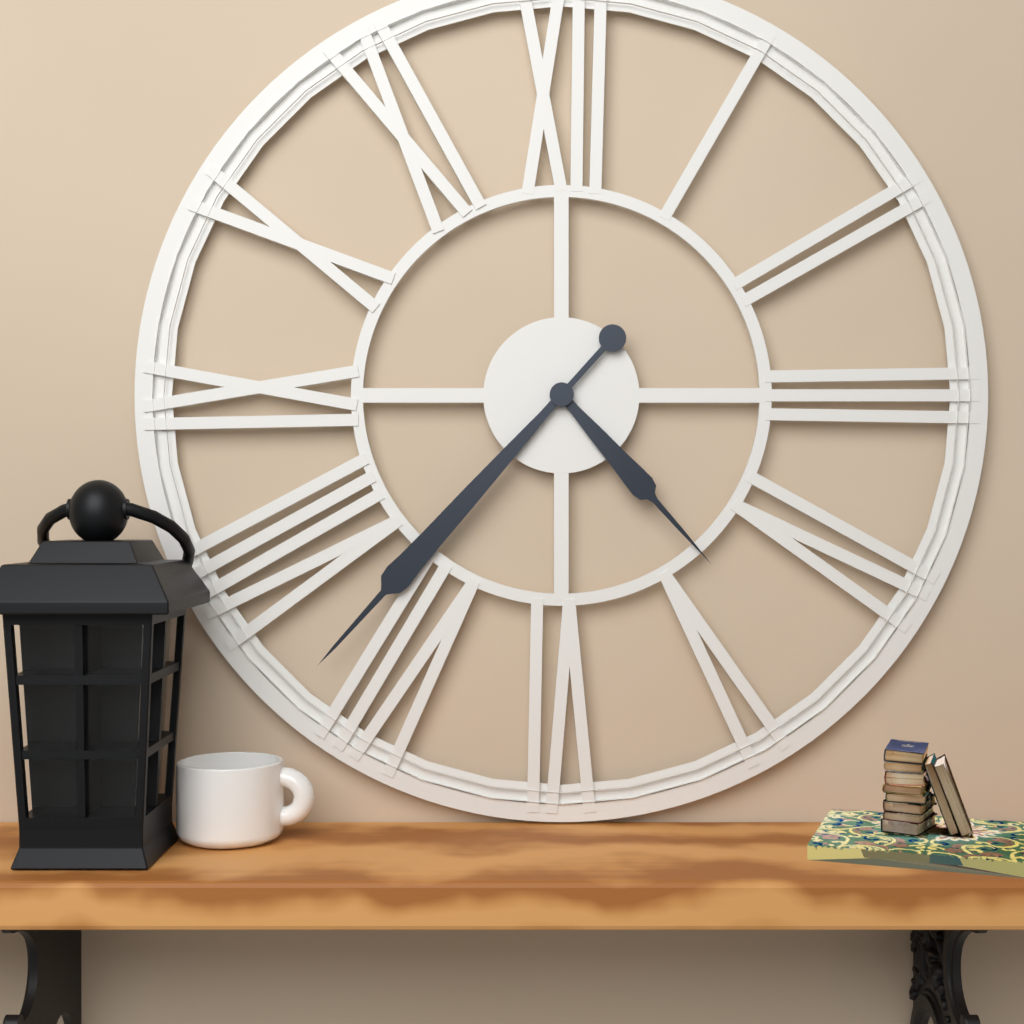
4:37
